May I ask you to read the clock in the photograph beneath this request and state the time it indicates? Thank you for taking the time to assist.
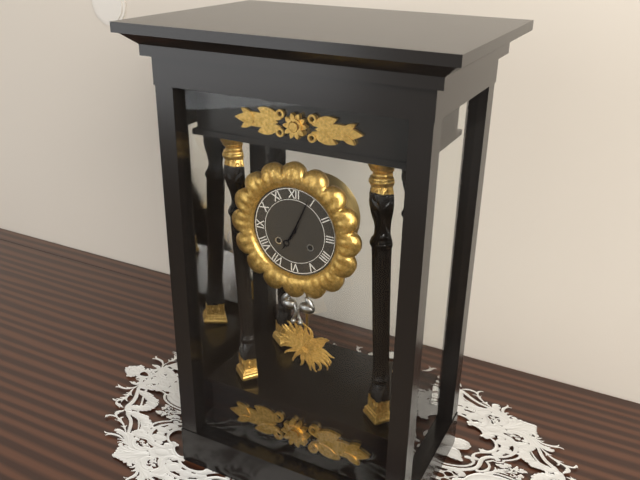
7:04
